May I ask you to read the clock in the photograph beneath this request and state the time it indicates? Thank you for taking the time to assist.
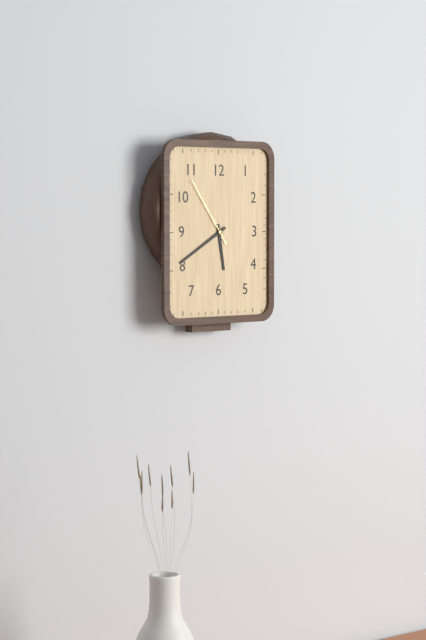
5:40:54
